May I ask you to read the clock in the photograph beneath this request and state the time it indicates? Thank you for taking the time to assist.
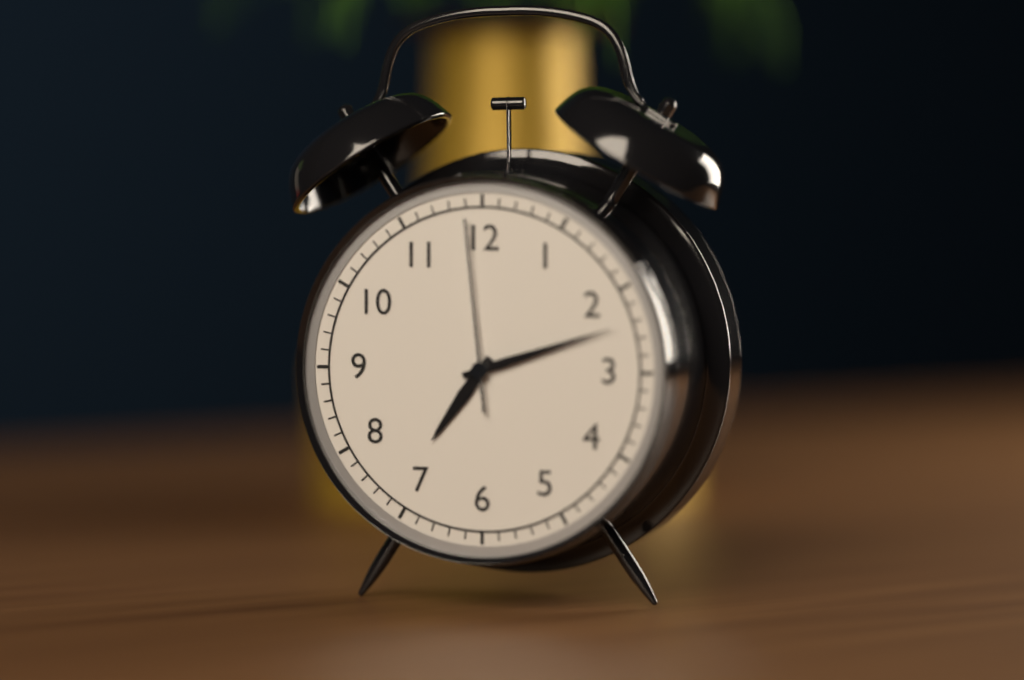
7:12:59
